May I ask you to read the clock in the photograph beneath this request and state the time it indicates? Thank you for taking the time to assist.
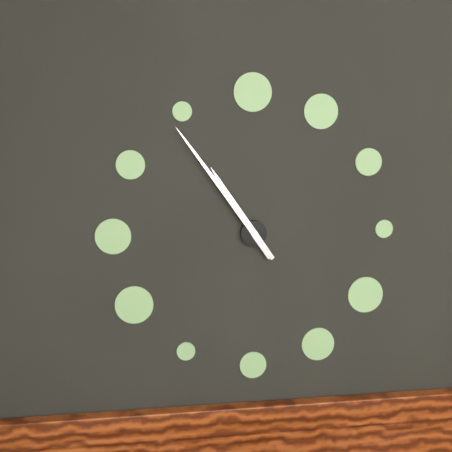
10:54
